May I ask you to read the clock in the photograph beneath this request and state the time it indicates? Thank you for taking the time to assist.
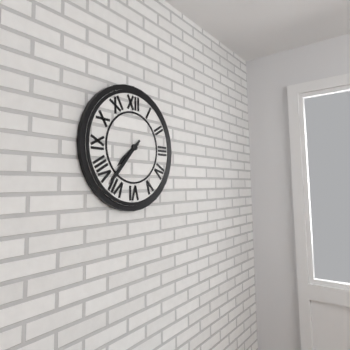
7:37
